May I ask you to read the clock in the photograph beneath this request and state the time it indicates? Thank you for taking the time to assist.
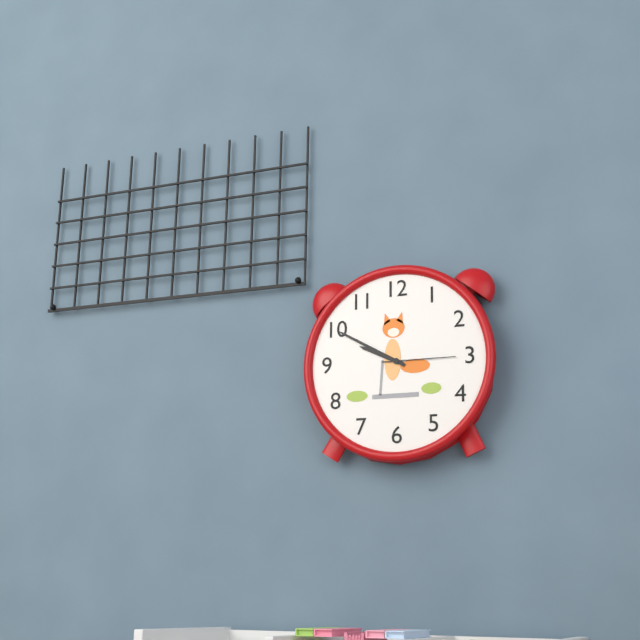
9:50:15
